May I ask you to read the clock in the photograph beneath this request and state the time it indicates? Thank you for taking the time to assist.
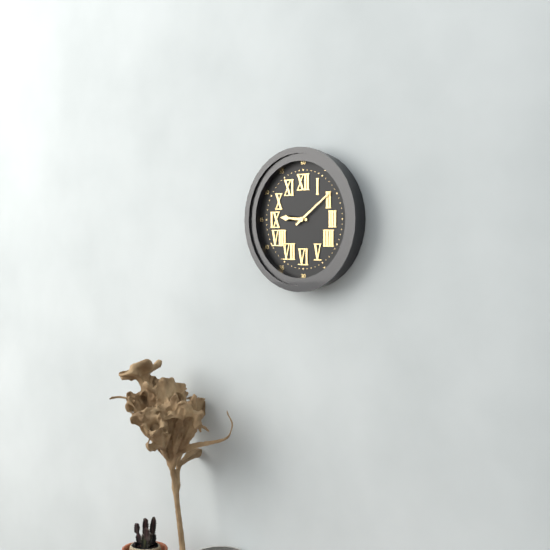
9:09
